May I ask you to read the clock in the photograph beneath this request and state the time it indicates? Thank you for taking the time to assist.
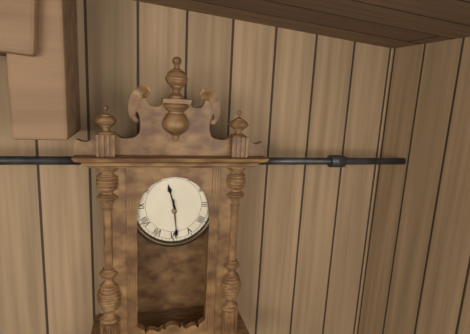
11:29
